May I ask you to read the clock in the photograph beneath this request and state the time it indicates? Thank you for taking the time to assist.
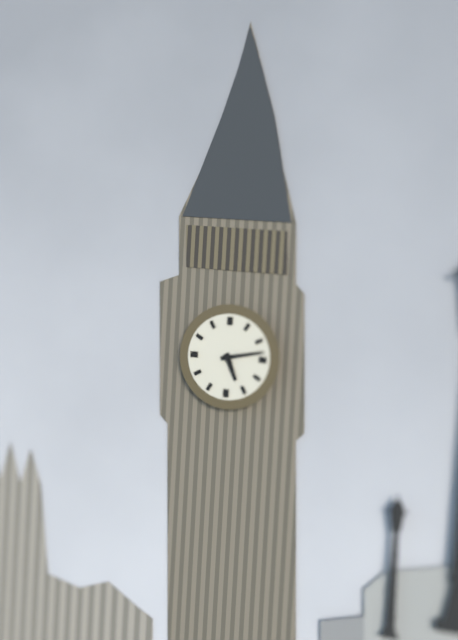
5:13
